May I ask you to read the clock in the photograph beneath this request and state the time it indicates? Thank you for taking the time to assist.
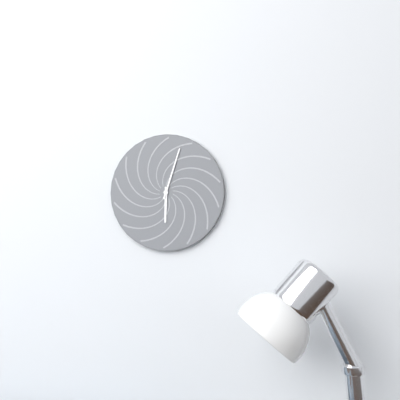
6:03
